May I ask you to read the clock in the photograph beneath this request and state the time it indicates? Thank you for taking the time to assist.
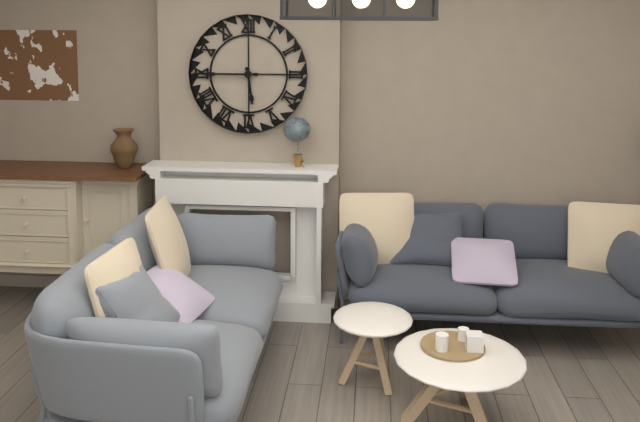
5:45
